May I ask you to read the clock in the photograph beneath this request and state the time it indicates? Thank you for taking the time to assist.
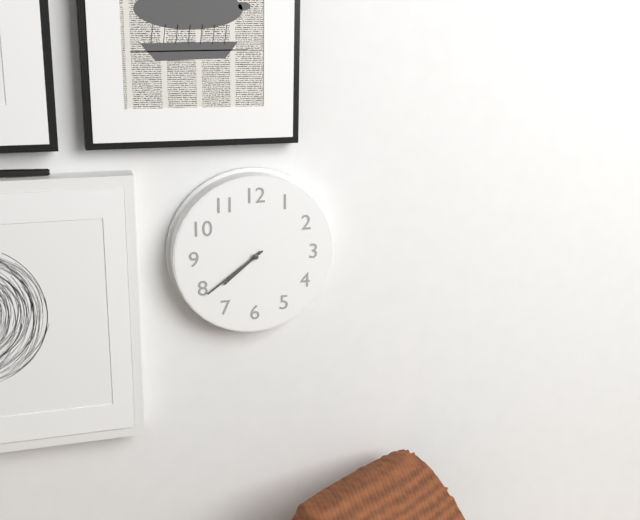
7:39
